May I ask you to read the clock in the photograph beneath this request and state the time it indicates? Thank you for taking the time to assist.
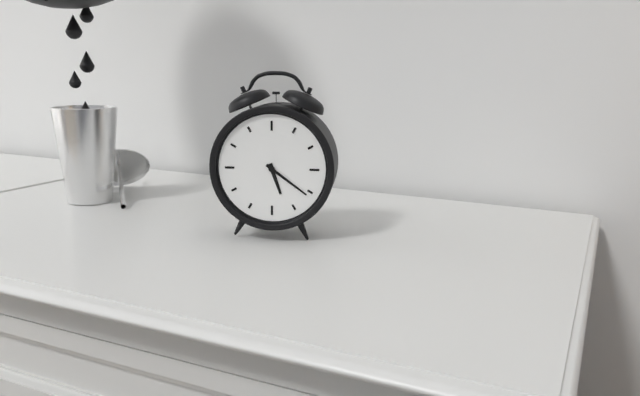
5:21
